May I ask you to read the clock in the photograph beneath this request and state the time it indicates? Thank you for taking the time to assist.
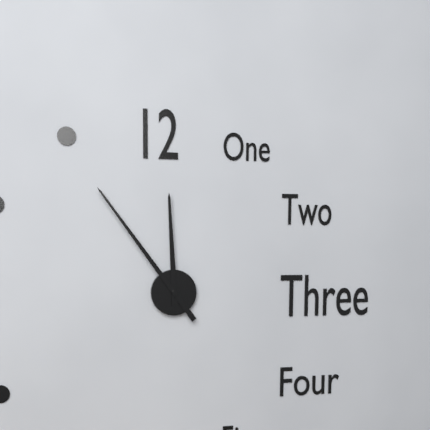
11:54
